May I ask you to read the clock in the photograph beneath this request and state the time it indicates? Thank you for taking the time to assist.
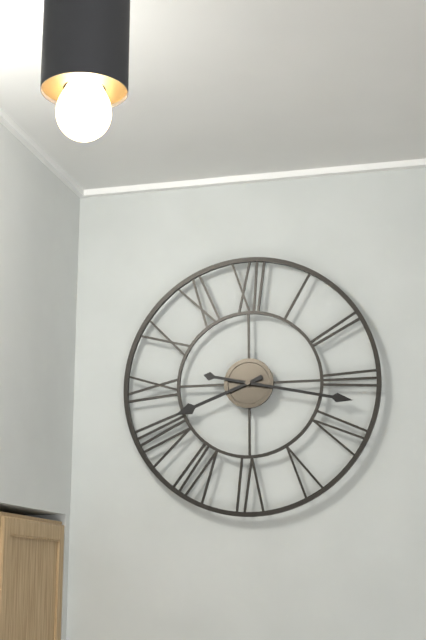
8:17
